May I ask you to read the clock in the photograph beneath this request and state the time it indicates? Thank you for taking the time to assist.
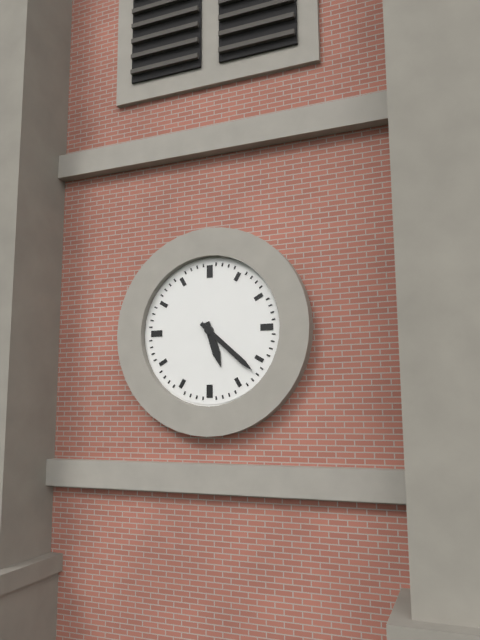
5:22
